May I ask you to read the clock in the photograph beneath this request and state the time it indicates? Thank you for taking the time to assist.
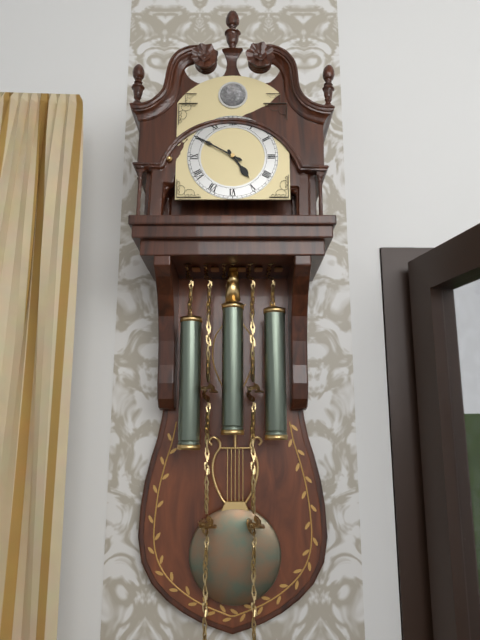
4:50
